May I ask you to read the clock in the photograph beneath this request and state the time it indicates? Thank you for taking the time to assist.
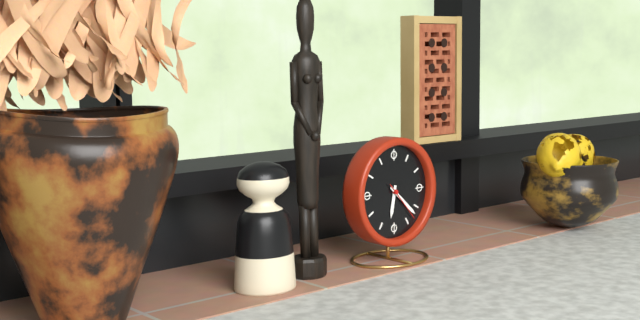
6:22
